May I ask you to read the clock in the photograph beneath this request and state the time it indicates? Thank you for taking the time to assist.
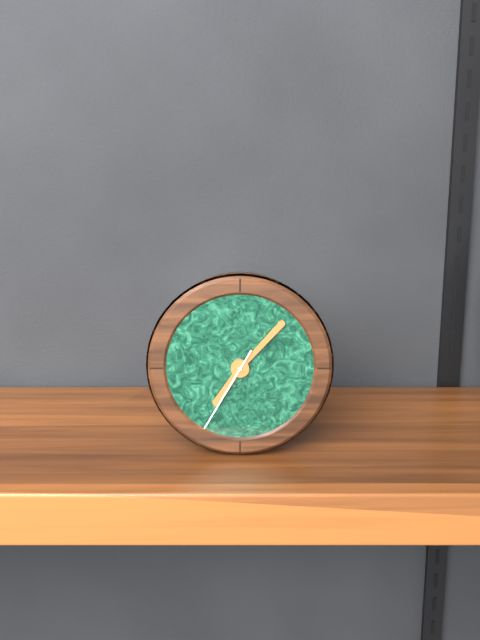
7:07:35
